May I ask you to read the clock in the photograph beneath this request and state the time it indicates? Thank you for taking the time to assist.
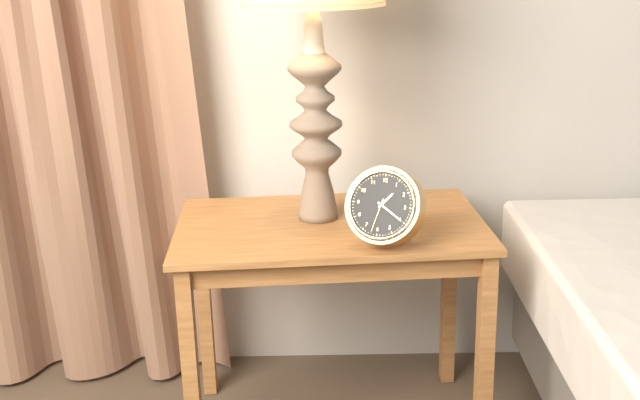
1:20
